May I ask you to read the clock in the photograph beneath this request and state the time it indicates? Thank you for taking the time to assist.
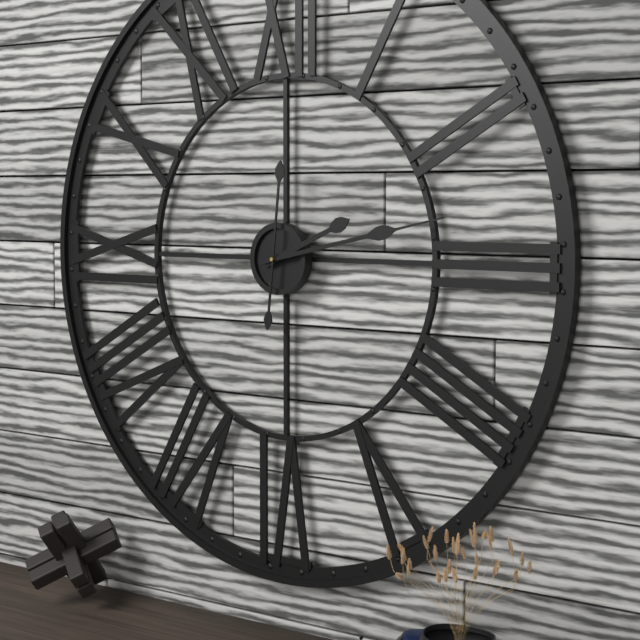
2:13:01
